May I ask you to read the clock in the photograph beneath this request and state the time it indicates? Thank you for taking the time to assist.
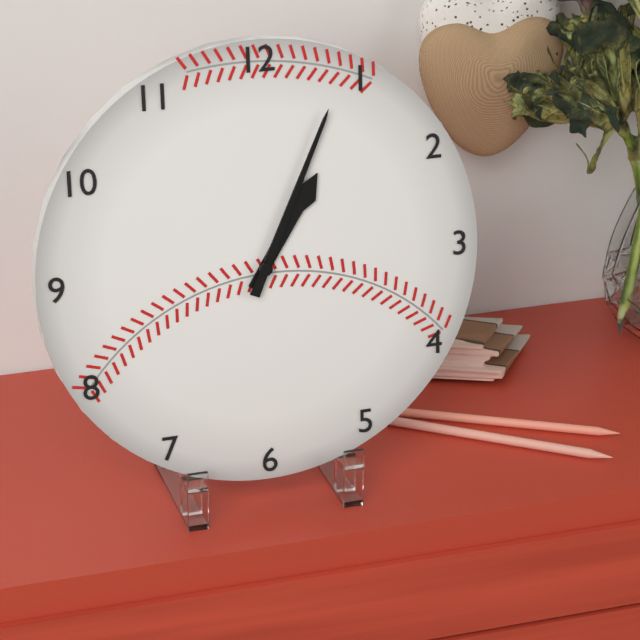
1:04
